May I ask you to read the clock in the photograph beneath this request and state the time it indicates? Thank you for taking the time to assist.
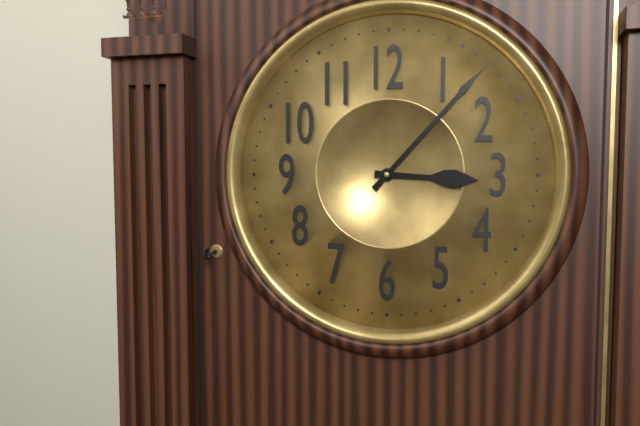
3:07
